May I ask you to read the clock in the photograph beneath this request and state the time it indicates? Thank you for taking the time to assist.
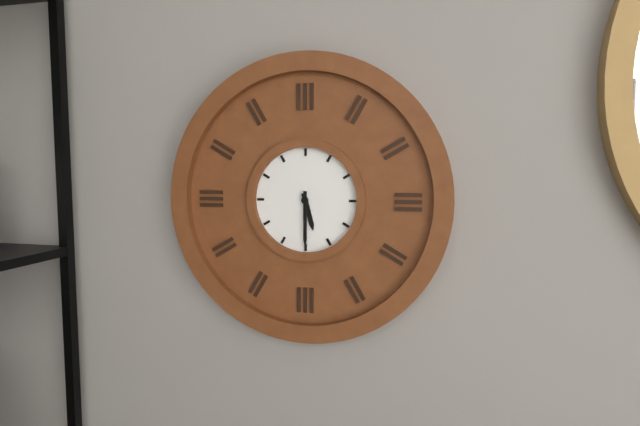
5:30
